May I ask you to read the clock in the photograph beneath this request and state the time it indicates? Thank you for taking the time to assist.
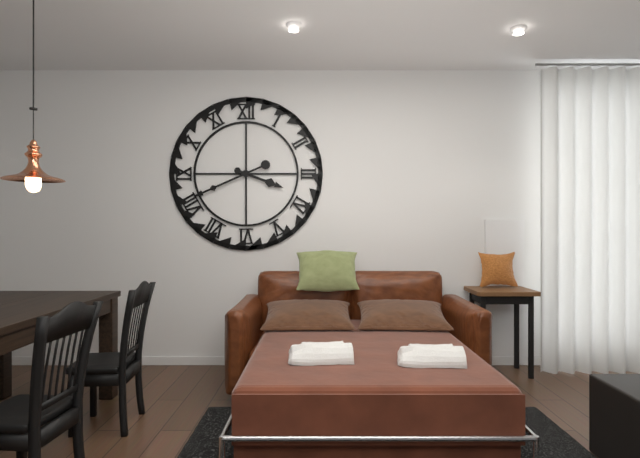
3:41
